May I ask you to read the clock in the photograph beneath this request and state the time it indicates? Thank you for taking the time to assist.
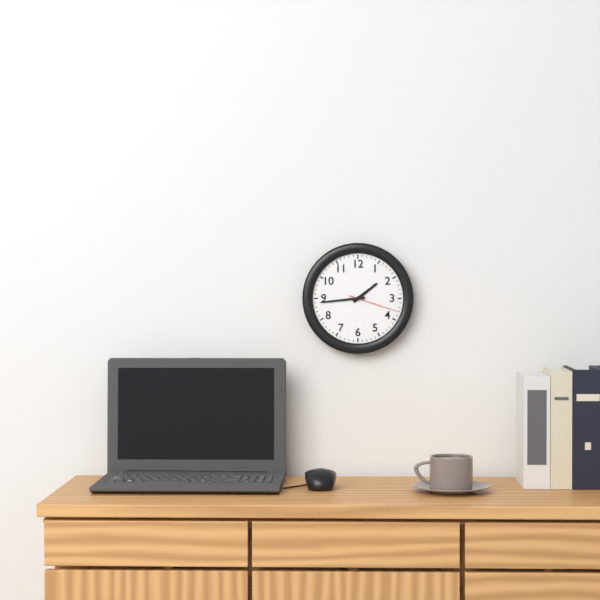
1:44:18
